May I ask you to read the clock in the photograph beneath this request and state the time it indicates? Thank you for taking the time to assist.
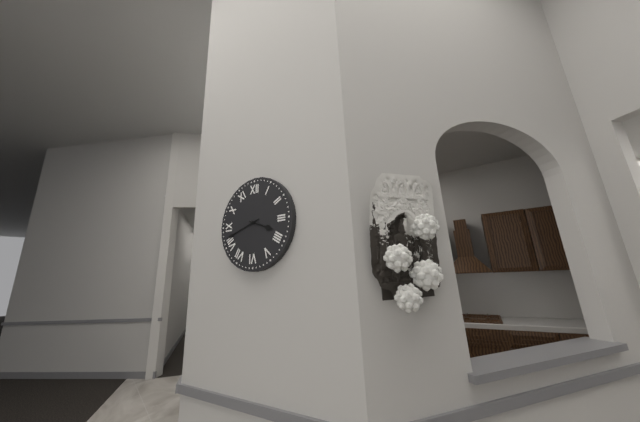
3:42
